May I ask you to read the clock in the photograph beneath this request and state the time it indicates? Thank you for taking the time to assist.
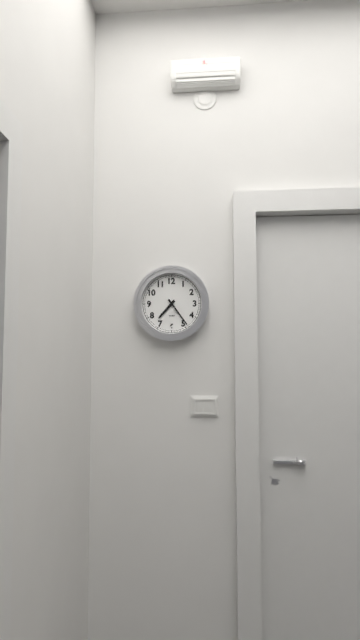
7:24
